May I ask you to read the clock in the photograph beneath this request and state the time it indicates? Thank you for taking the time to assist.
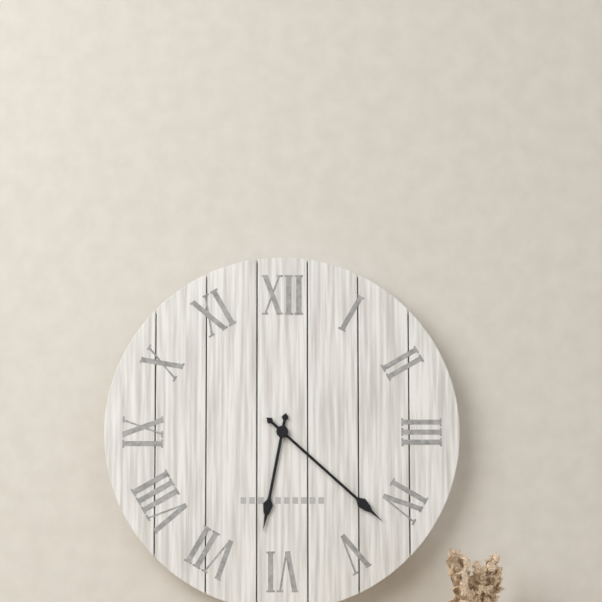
6:22
